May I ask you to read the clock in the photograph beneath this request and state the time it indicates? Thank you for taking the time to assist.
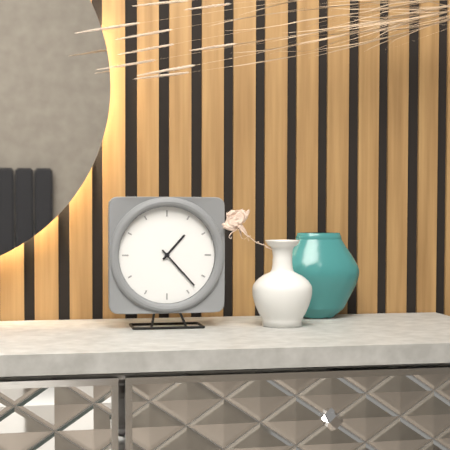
1:23
